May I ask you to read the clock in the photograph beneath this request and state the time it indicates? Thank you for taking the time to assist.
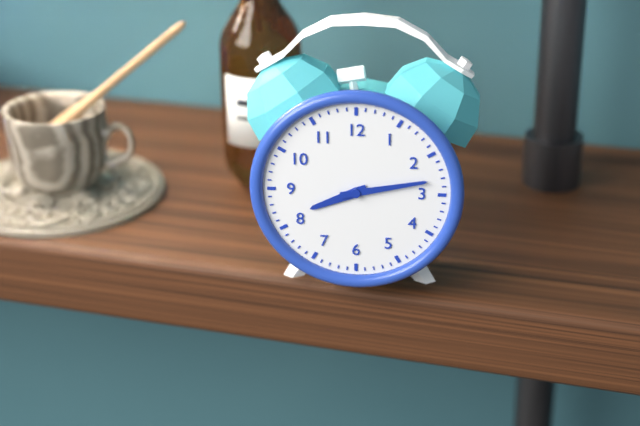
8:13
